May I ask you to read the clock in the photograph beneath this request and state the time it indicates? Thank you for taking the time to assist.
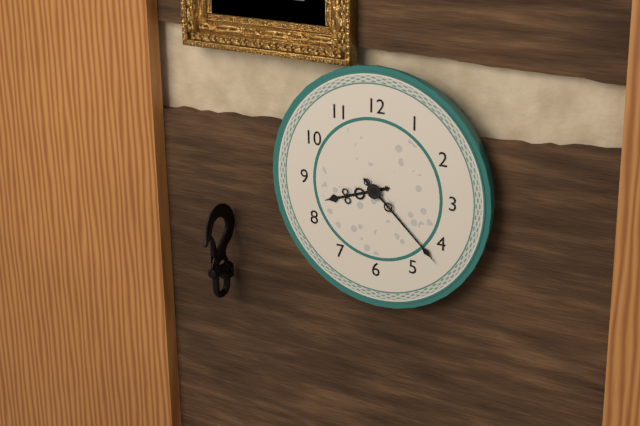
8:22
